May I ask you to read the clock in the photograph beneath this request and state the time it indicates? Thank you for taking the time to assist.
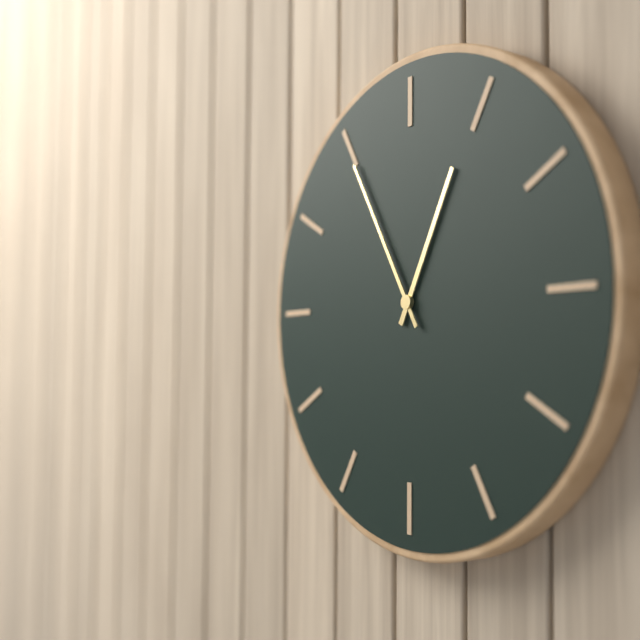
12:55
